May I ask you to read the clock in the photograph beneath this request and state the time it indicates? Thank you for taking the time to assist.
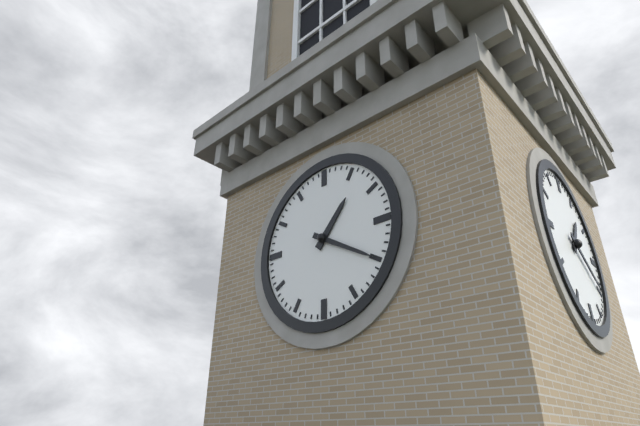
1:20
